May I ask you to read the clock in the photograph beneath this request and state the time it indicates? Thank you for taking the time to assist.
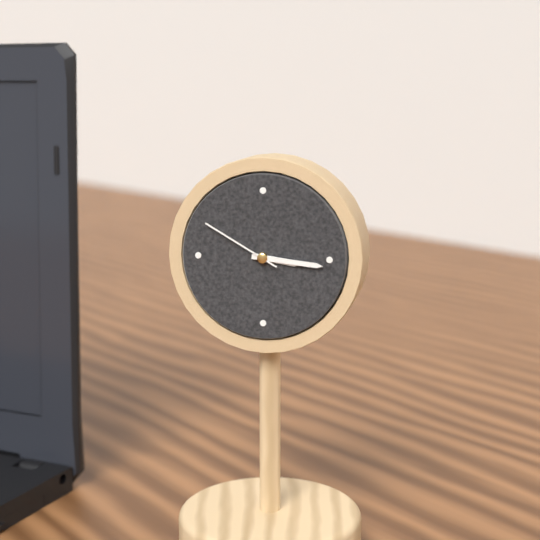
3:16:50
